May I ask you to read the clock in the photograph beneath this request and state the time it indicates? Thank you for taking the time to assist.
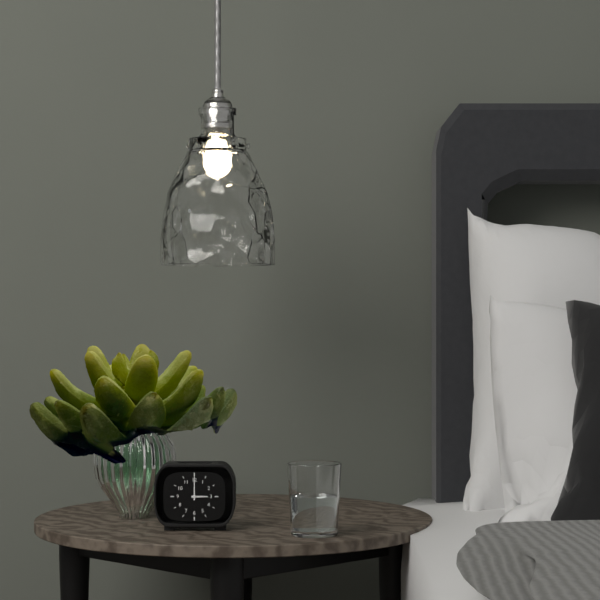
3:00
